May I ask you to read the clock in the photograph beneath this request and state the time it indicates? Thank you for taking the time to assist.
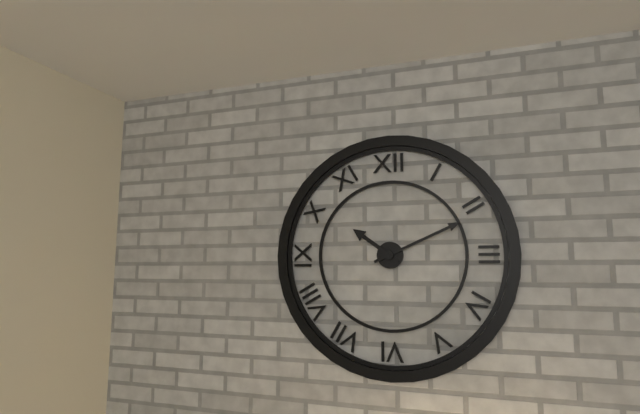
10:11
